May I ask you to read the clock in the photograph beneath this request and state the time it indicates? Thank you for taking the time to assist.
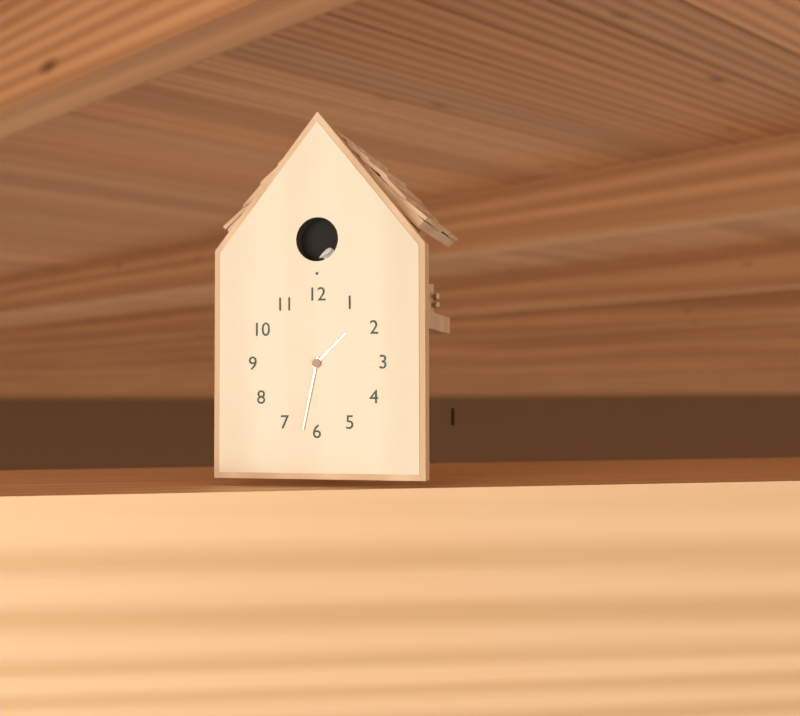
1:32
